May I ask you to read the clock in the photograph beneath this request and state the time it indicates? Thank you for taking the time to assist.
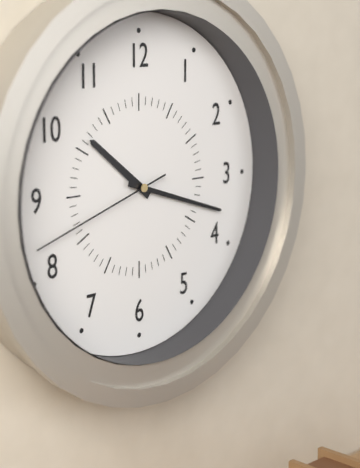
10:18:42
